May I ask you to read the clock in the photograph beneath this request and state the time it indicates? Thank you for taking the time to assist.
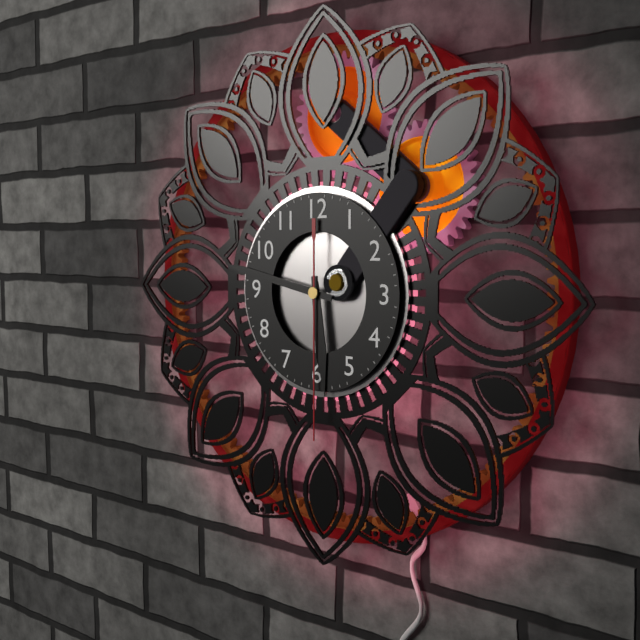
5:47:30
